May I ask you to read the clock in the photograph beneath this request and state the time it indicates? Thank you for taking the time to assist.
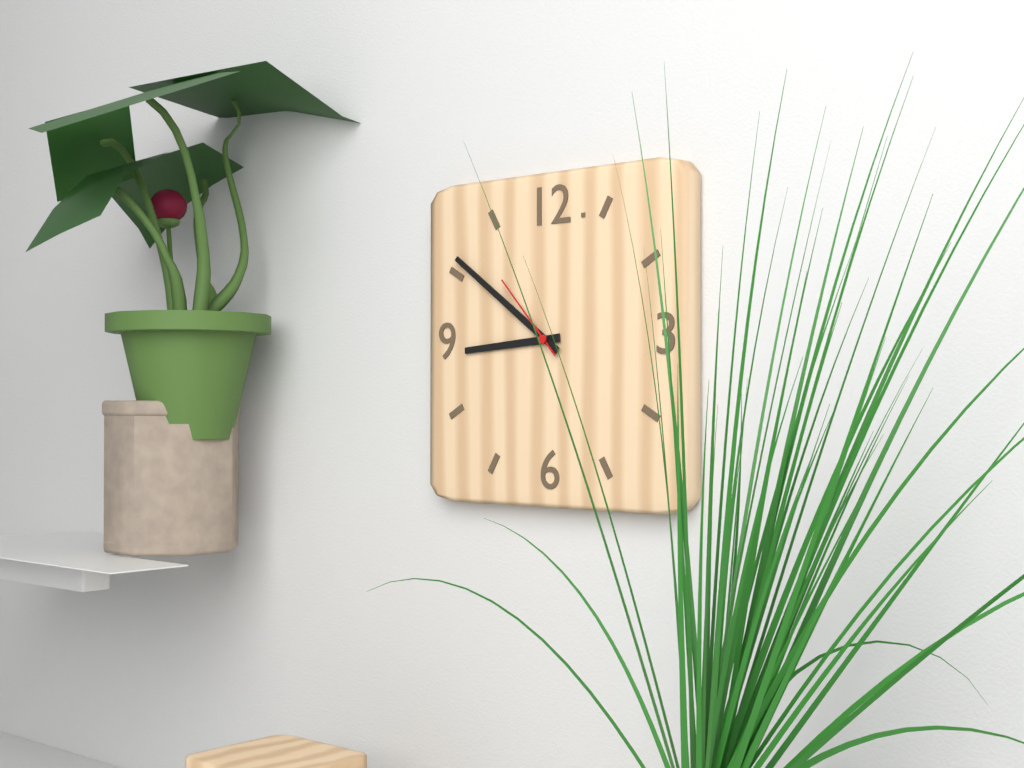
8:51:53
